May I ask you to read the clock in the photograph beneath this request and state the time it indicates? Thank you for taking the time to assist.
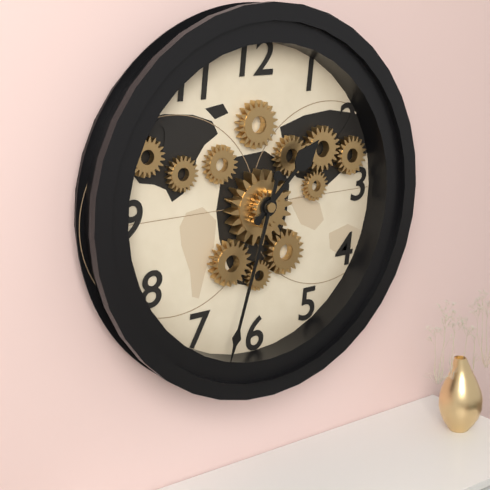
1:33
